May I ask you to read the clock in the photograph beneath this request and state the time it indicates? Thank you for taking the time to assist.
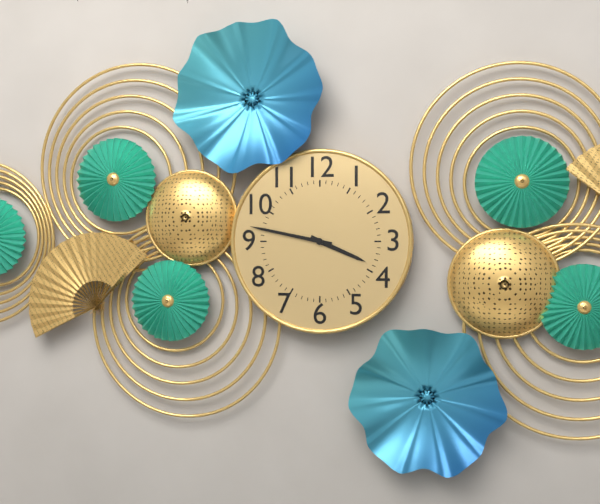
3:47
